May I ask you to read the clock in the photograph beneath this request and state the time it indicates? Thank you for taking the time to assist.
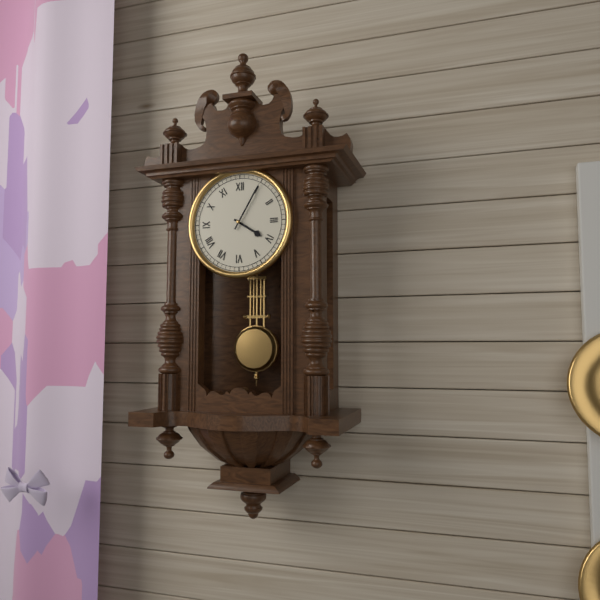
4:05
